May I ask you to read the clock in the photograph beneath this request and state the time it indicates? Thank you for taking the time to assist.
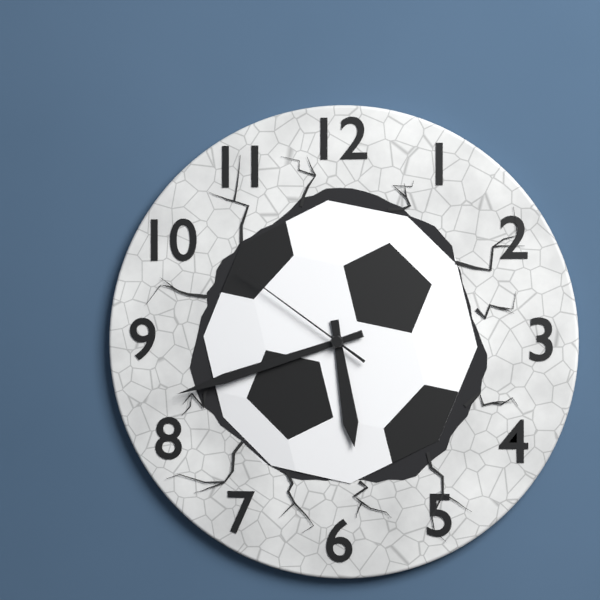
5:42:51
